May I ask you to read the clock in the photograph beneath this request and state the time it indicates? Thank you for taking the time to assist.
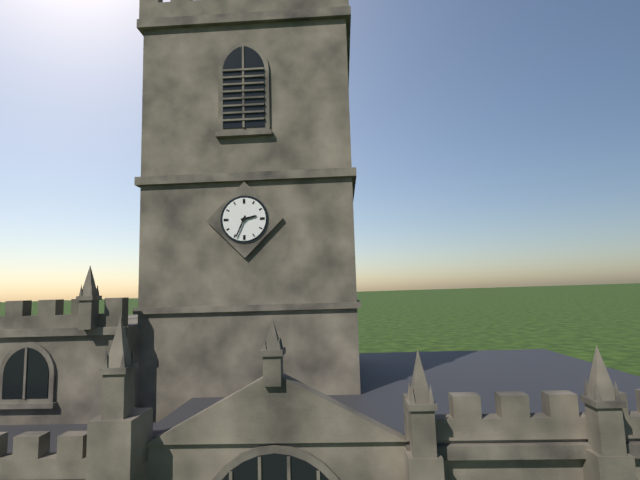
2:34
